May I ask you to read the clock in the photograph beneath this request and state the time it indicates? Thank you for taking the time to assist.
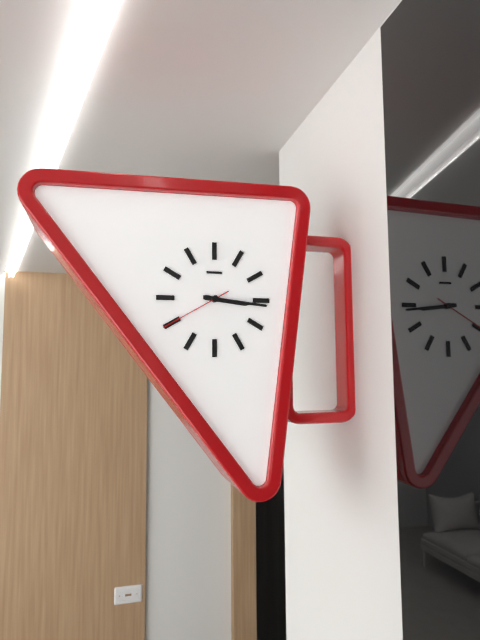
3:16:40
